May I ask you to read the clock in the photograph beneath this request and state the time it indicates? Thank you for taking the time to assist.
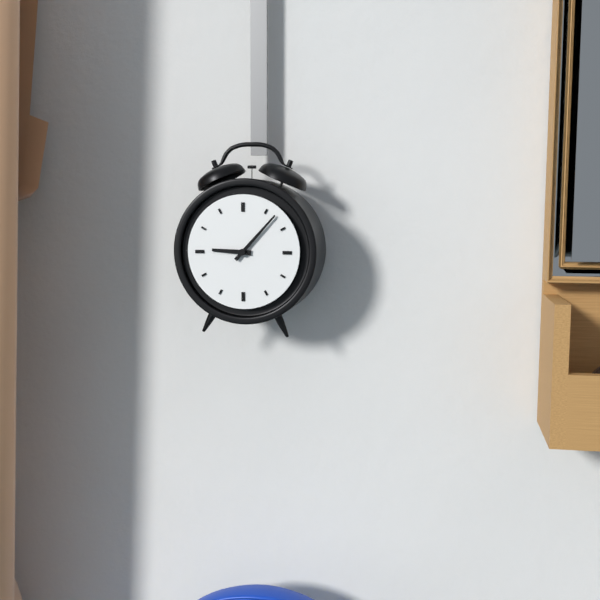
9:07
